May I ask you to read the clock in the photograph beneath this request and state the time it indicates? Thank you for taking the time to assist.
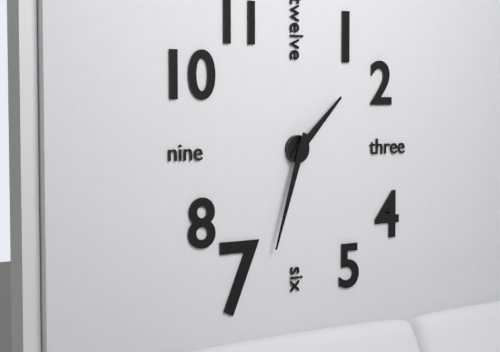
1:33
